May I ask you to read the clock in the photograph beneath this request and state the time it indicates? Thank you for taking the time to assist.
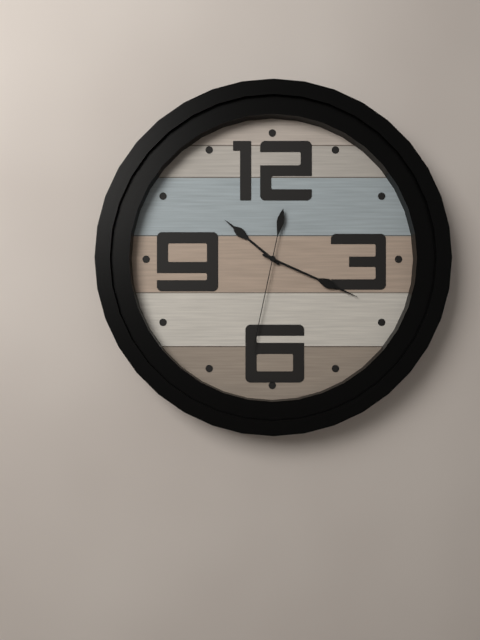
10:19:32
